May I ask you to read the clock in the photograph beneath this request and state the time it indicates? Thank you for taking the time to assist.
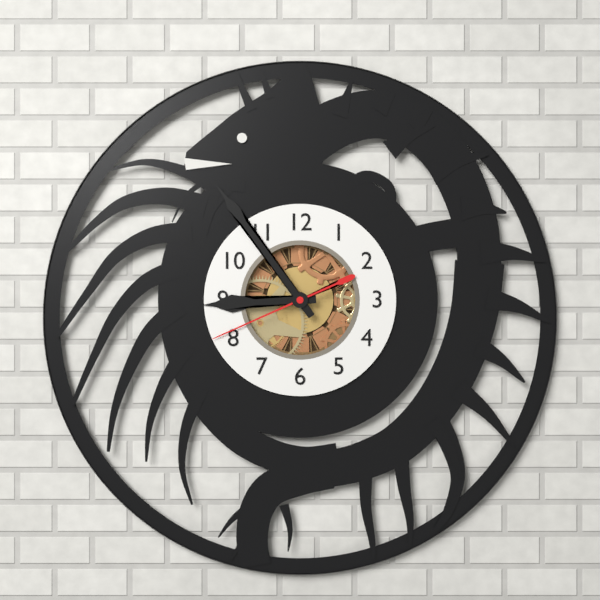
8:54:41
